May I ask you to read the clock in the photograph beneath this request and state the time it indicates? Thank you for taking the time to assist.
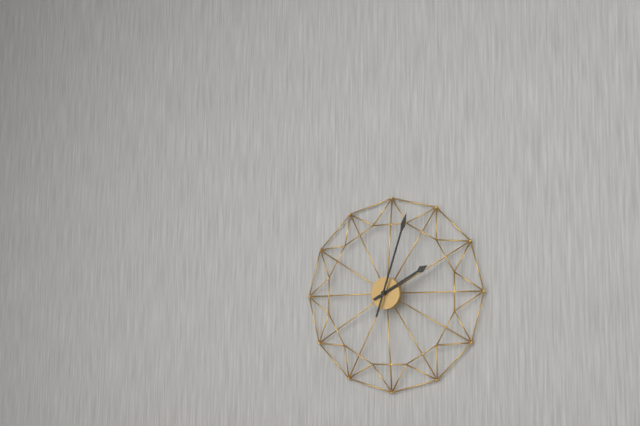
2:03
